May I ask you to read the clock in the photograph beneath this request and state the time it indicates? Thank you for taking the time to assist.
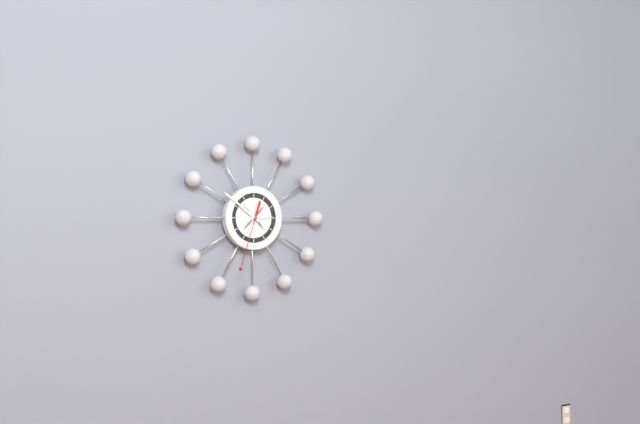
2:51:33
